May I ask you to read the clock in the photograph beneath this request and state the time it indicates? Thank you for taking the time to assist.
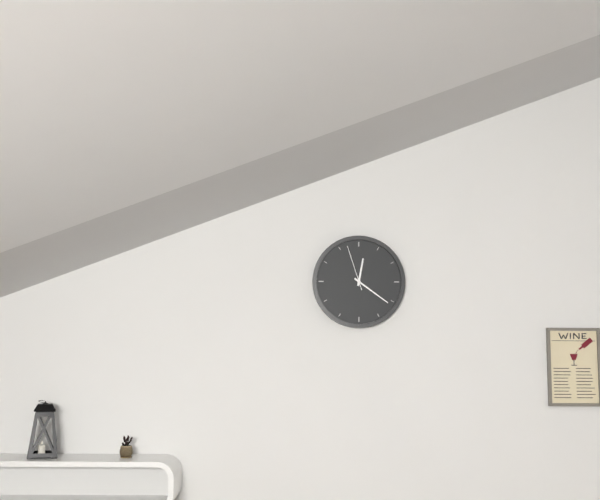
12:21
